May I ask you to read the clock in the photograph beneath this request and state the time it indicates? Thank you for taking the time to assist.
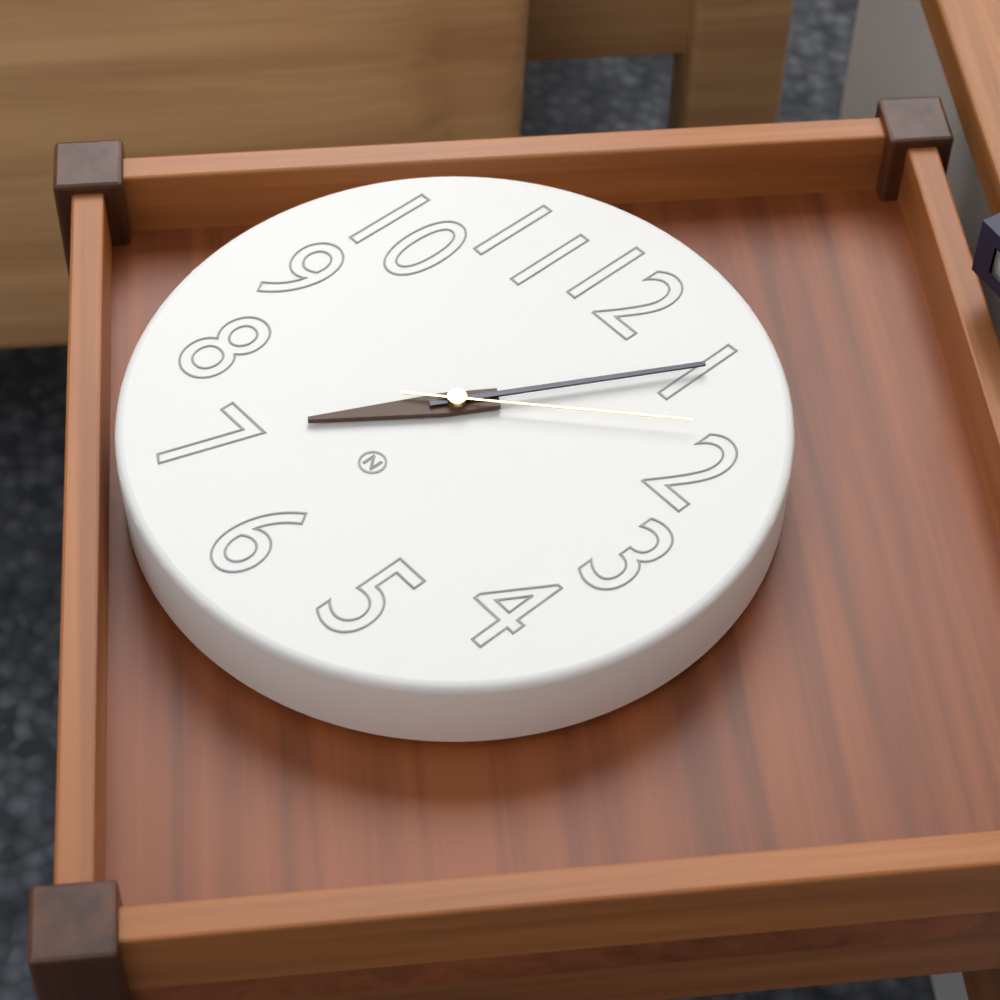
7:05:08
